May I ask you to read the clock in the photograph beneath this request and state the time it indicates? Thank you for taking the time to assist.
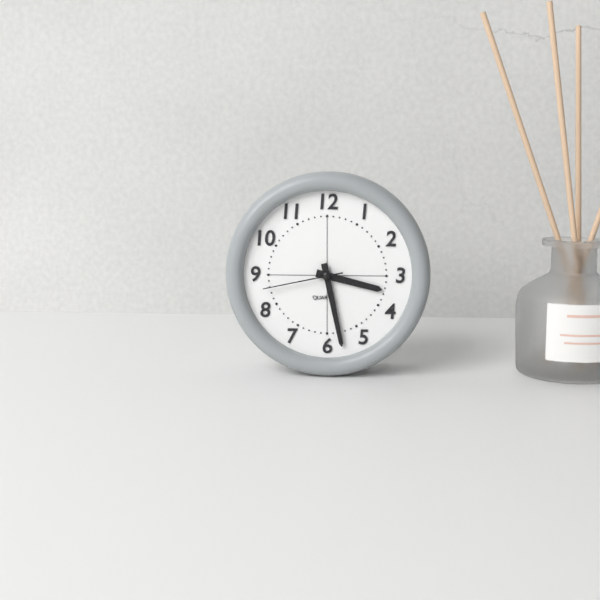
3:28:43
